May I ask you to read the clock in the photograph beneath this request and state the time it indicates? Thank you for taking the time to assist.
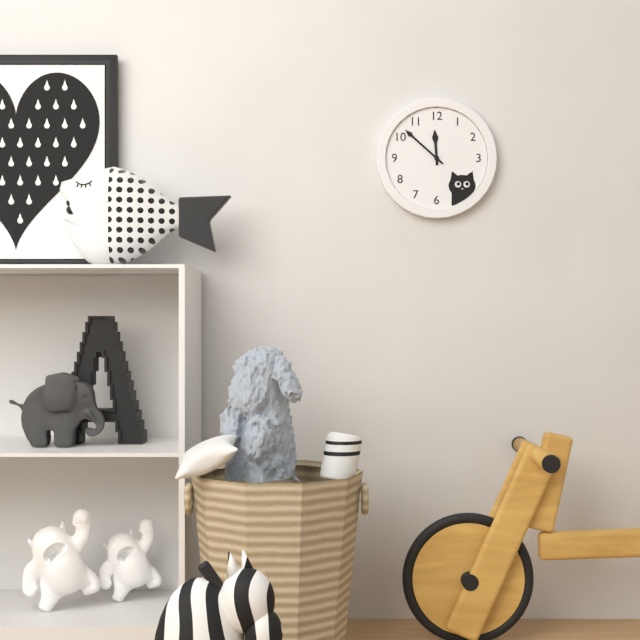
11:52
